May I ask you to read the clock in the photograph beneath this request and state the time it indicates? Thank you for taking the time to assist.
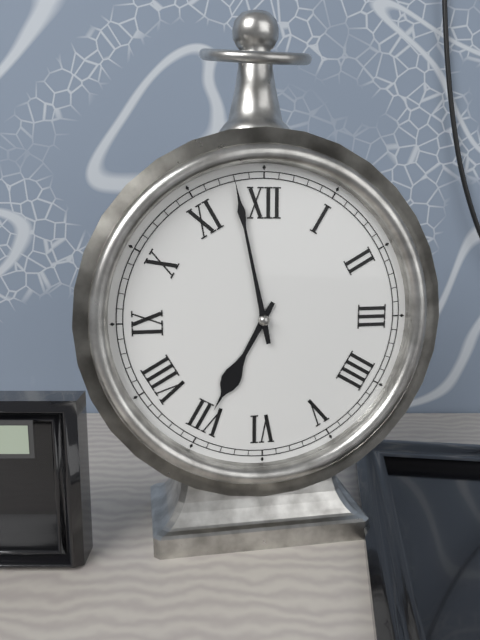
6:58
